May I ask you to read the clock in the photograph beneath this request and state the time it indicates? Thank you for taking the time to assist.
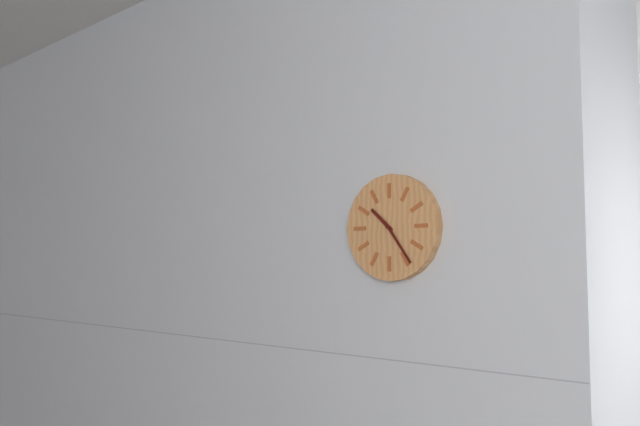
10:24
